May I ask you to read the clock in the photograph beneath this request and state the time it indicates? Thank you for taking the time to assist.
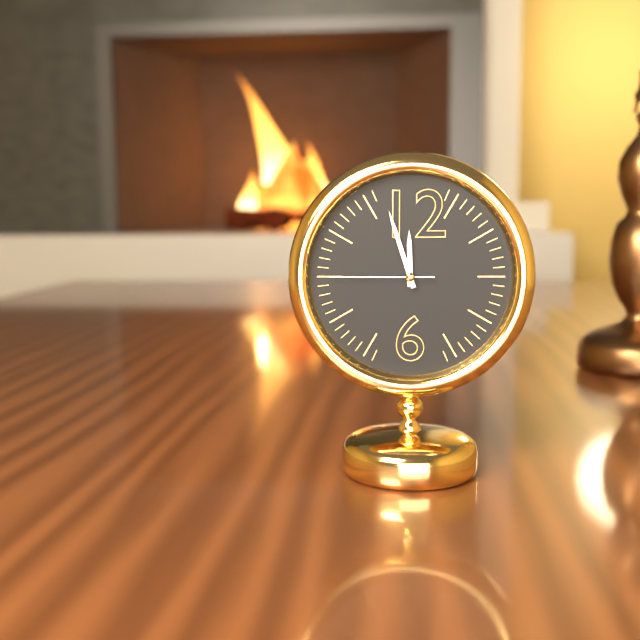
11:57:45
